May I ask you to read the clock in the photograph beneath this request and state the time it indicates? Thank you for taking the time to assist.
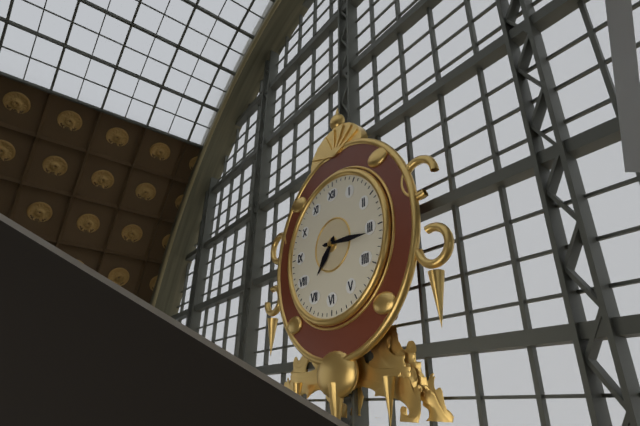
7:16
